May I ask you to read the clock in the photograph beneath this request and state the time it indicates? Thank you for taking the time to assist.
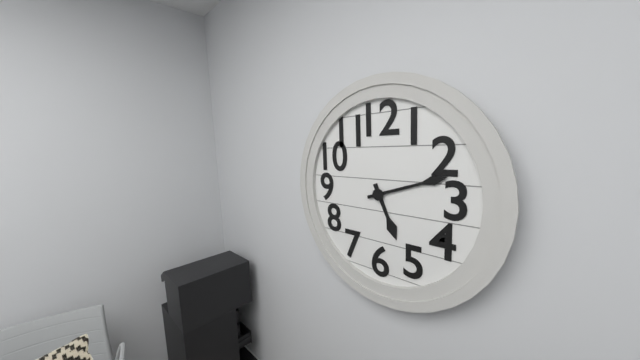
5:12
